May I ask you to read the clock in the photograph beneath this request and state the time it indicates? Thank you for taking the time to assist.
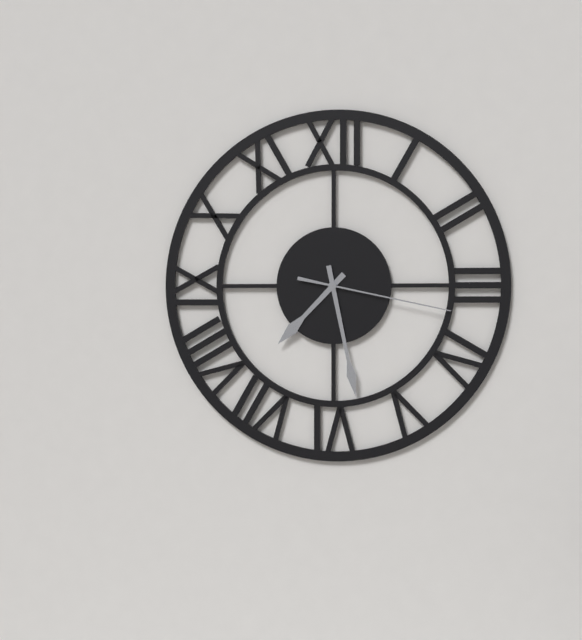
7:28:17
